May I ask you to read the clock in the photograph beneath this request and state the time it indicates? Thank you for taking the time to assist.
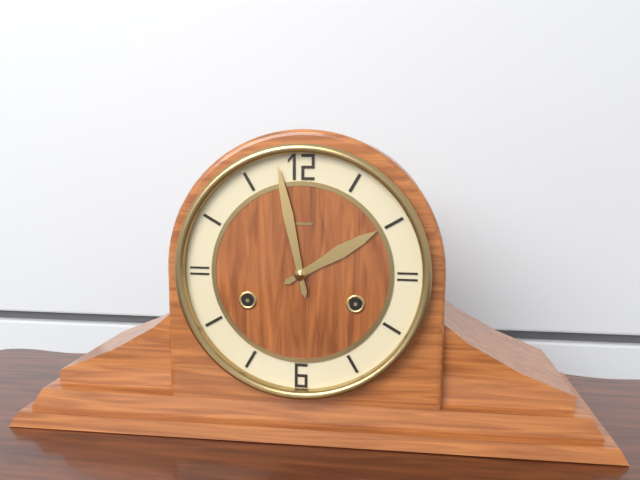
1:58
